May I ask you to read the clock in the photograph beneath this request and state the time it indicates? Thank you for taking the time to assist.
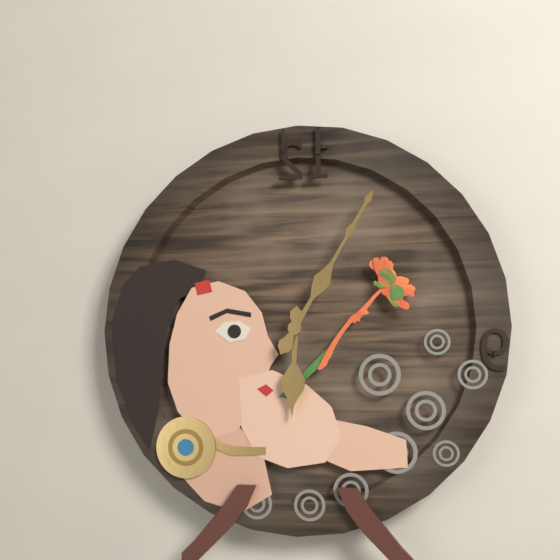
6:05
